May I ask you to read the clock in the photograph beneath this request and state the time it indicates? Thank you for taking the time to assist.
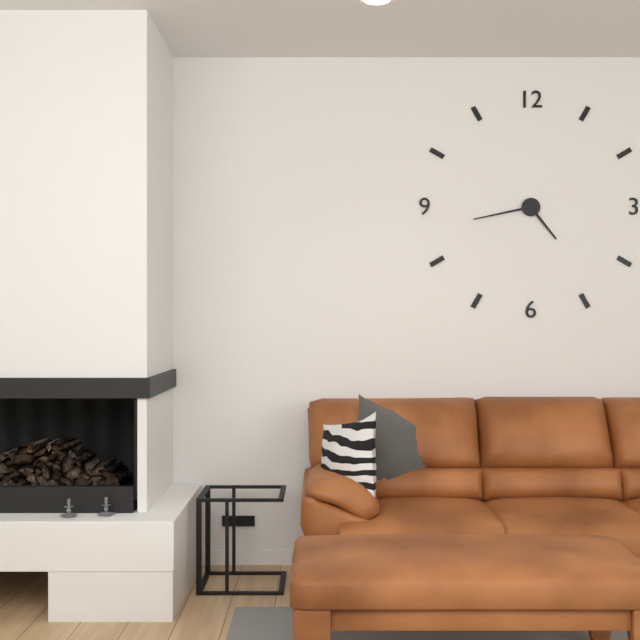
4:43
